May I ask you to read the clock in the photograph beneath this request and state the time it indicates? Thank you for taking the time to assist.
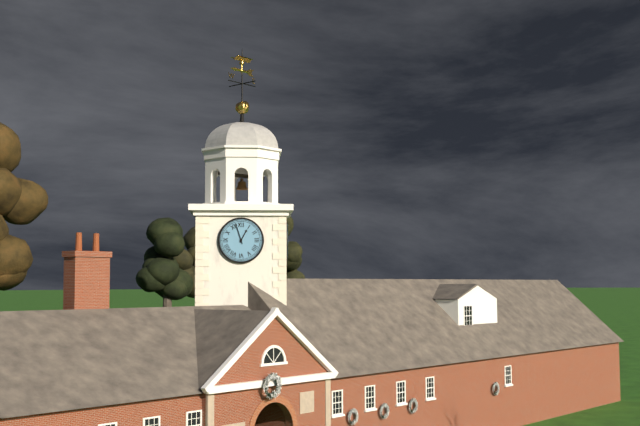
12:57
